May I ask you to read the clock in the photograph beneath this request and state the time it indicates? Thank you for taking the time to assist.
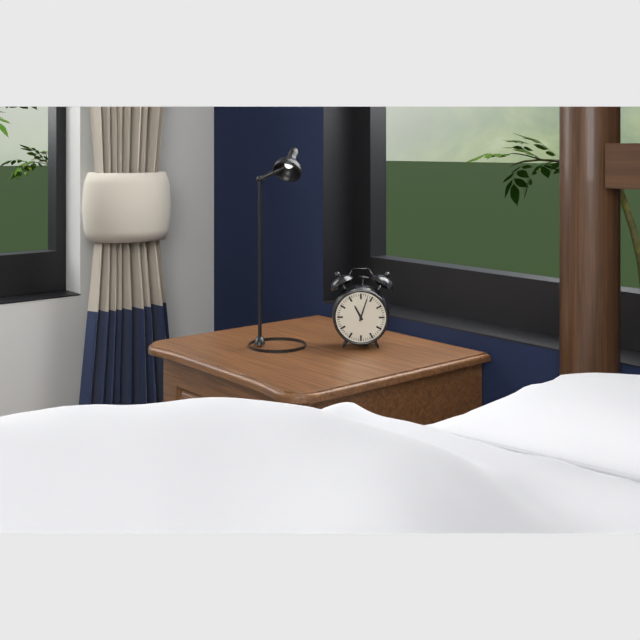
11:03
